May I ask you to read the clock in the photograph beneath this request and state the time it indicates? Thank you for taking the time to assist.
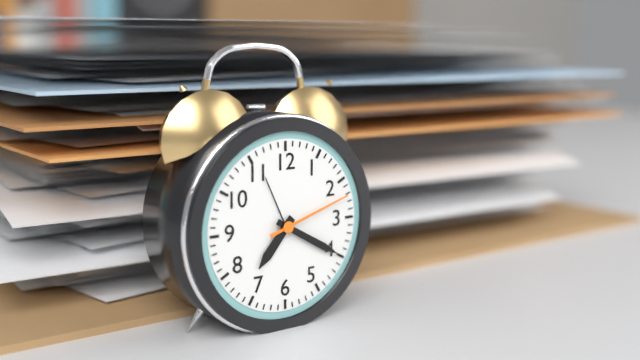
7:20:12
